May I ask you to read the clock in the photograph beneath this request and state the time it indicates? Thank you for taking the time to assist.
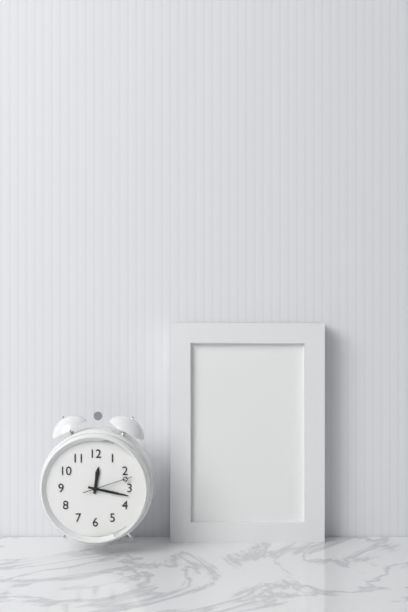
12:17
